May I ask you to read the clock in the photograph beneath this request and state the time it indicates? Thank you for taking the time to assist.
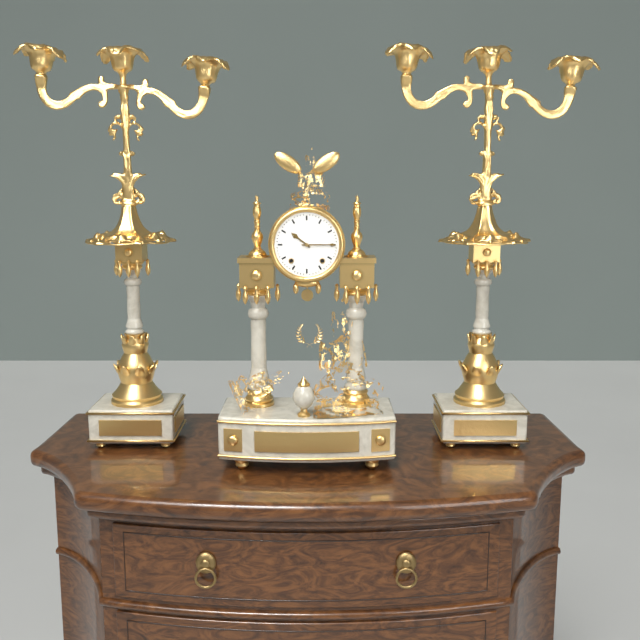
10:15
